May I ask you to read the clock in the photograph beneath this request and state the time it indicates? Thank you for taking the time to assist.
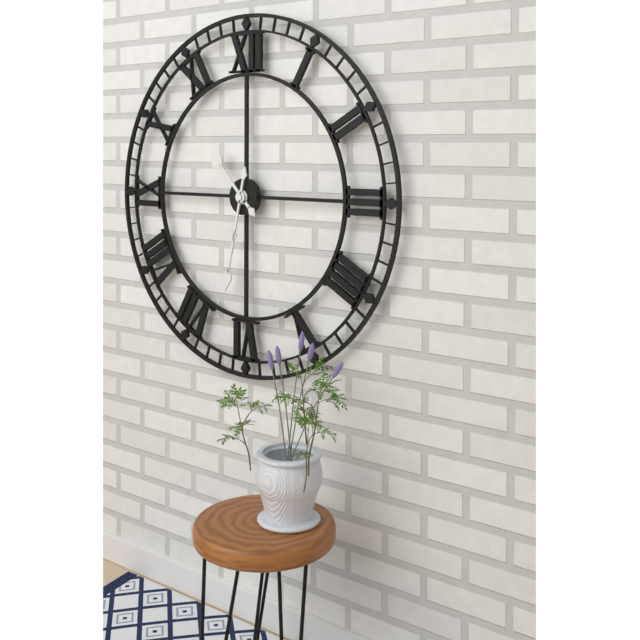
10:32
